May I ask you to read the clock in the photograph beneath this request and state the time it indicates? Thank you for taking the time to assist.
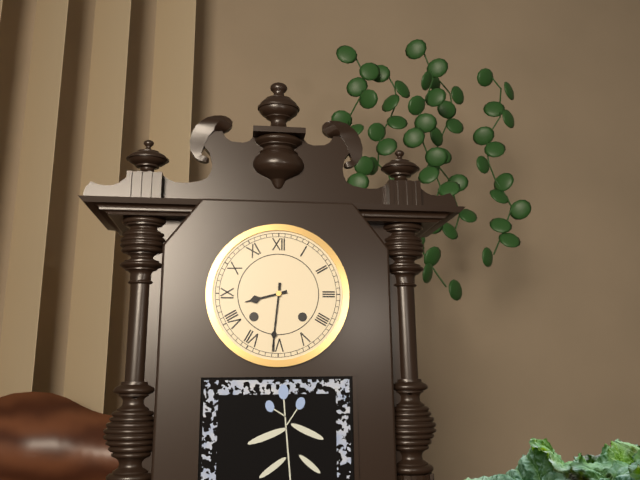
8:31
